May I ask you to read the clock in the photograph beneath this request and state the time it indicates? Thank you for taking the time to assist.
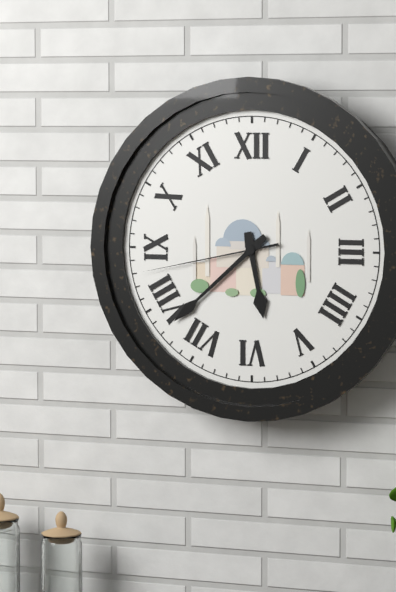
5:38:43
